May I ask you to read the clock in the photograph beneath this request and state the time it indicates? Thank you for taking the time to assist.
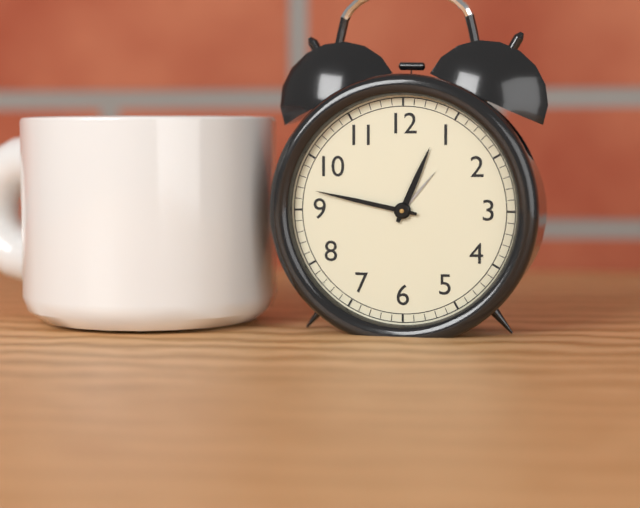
12:47
